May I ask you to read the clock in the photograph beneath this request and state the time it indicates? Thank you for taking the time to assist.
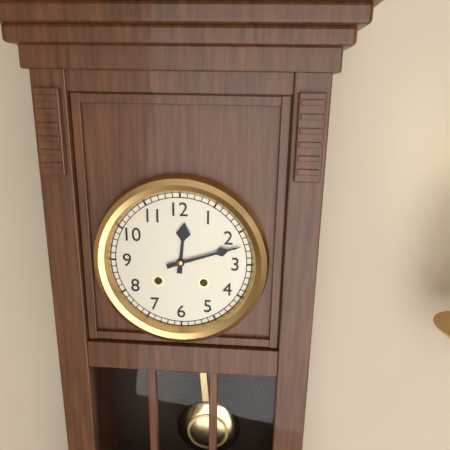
12:12
